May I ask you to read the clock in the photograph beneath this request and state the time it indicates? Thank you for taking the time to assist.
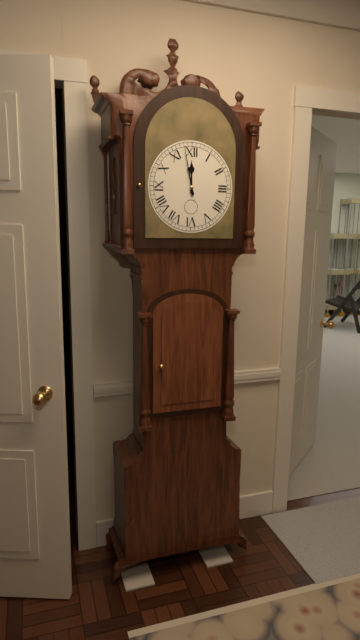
11:58
